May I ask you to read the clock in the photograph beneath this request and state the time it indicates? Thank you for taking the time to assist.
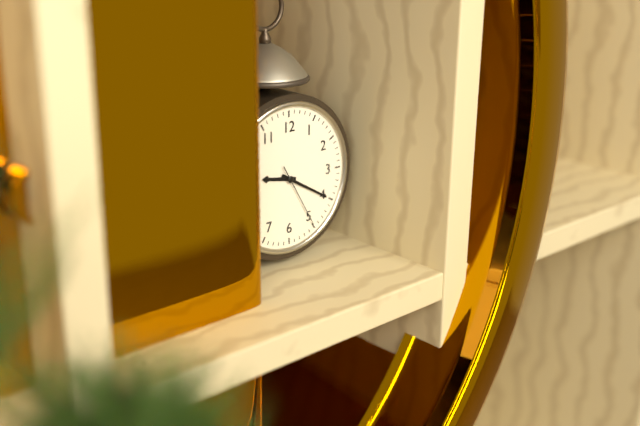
9:20:25
